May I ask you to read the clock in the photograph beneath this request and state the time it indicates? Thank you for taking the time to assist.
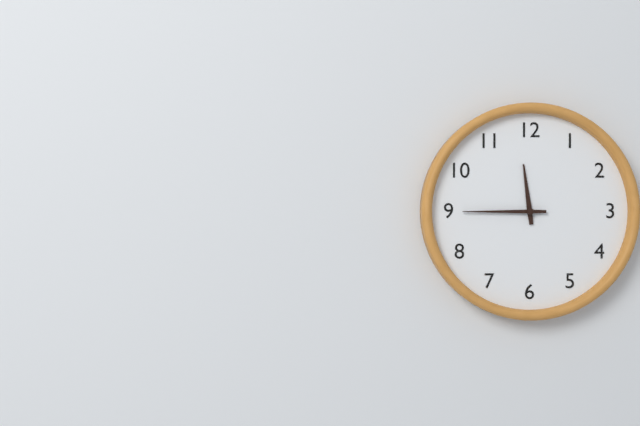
11:45
